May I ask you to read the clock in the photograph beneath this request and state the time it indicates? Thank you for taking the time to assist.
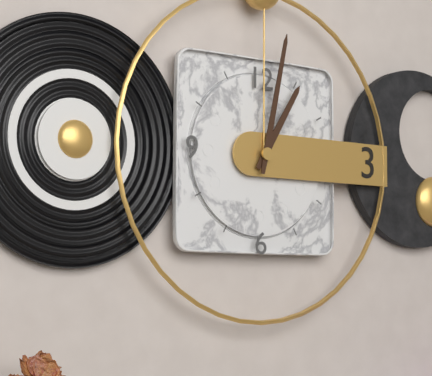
1:02
